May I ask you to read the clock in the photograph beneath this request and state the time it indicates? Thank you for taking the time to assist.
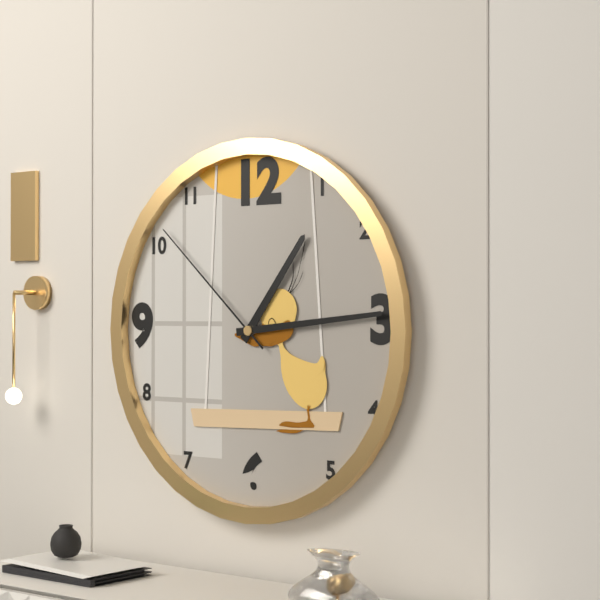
1:14:52
